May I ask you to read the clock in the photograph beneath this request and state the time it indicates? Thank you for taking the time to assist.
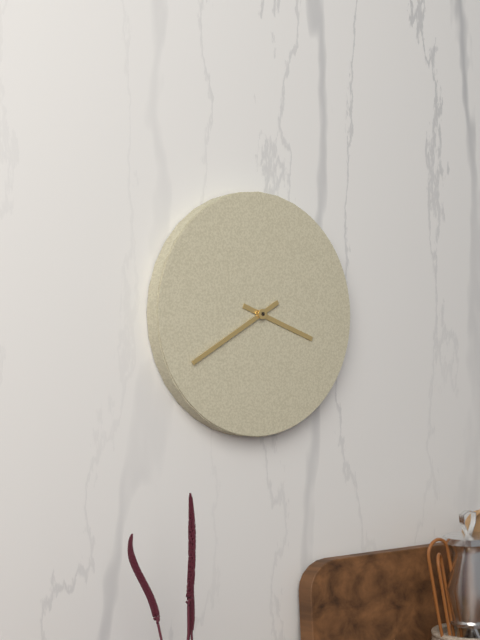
3:40
